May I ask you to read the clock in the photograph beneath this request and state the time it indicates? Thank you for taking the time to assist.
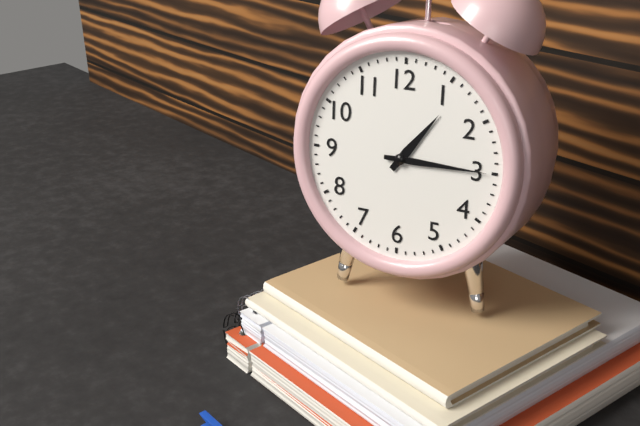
1:15
